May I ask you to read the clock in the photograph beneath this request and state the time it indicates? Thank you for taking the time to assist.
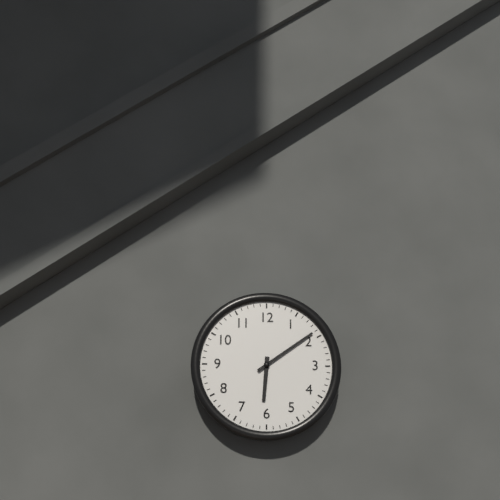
6:09
